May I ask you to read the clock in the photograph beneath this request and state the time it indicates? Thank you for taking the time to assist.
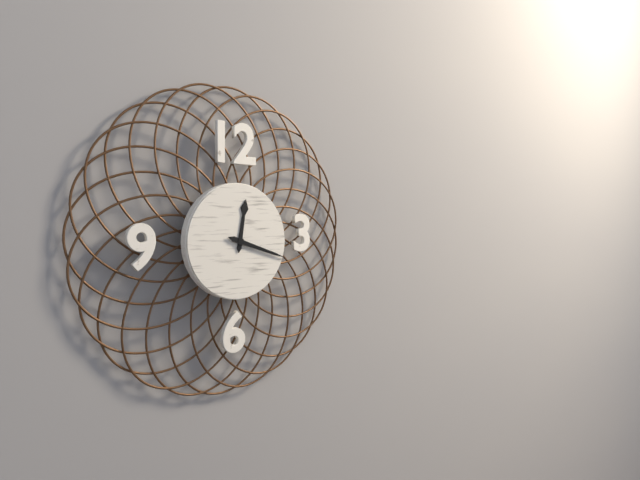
12:18
